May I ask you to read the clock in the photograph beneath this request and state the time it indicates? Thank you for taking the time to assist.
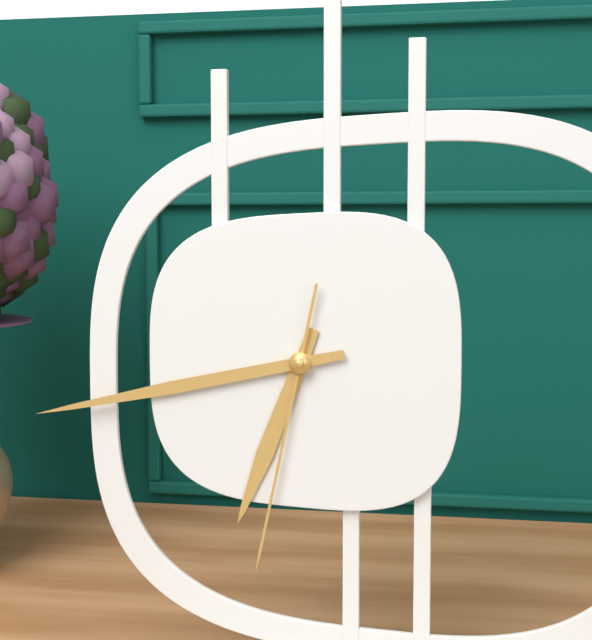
6:43:32
